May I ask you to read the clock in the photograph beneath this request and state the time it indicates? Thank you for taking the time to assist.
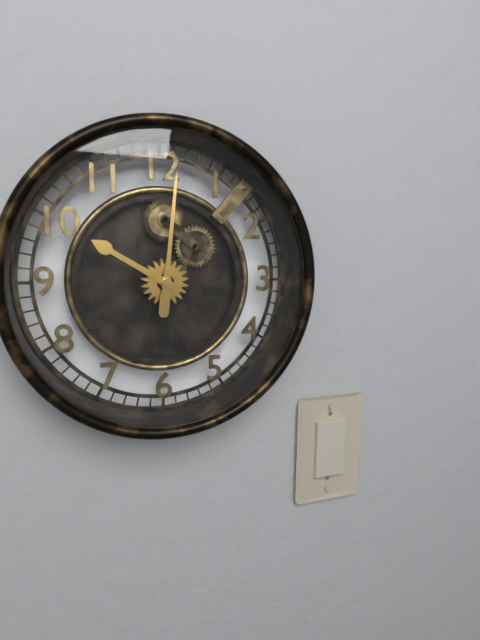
10:01
